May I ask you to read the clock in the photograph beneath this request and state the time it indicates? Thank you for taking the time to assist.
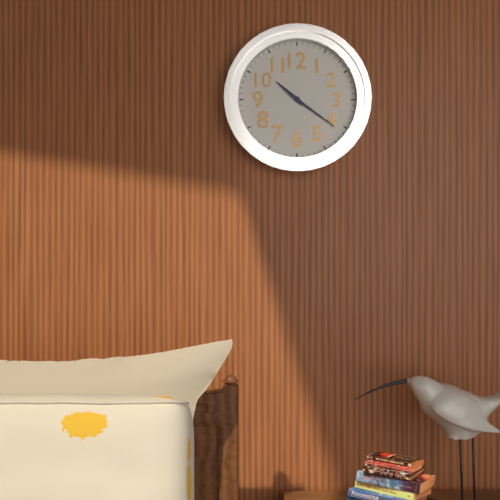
10:21
